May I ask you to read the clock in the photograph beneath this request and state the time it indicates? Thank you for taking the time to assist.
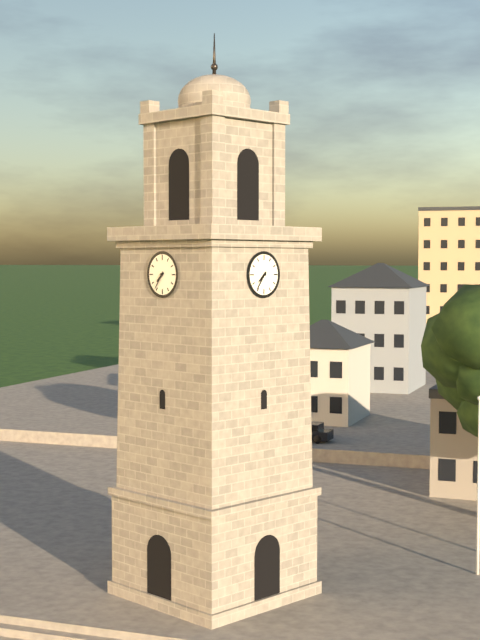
7:36
